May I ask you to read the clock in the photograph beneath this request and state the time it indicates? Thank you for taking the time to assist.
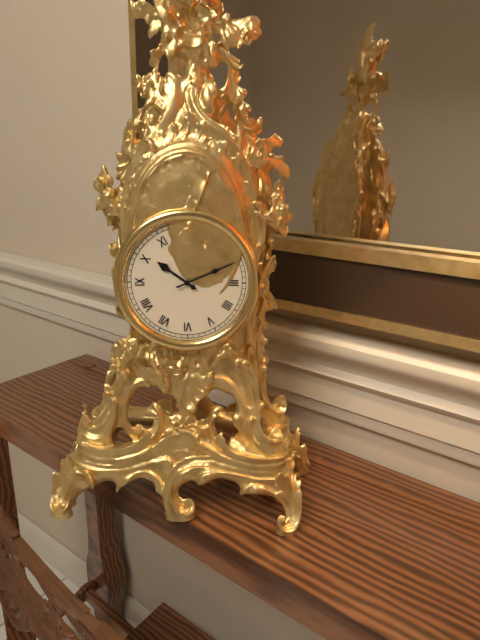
10:11
